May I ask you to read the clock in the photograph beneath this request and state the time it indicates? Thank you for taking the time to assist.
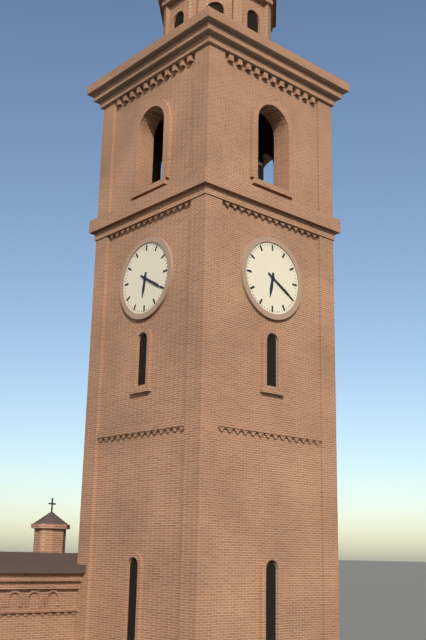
6:20
